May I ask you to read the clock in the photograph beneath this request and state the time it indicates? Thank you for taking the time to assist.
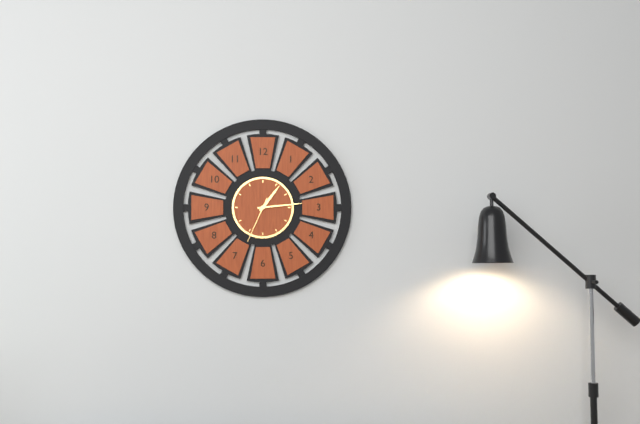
1:14
